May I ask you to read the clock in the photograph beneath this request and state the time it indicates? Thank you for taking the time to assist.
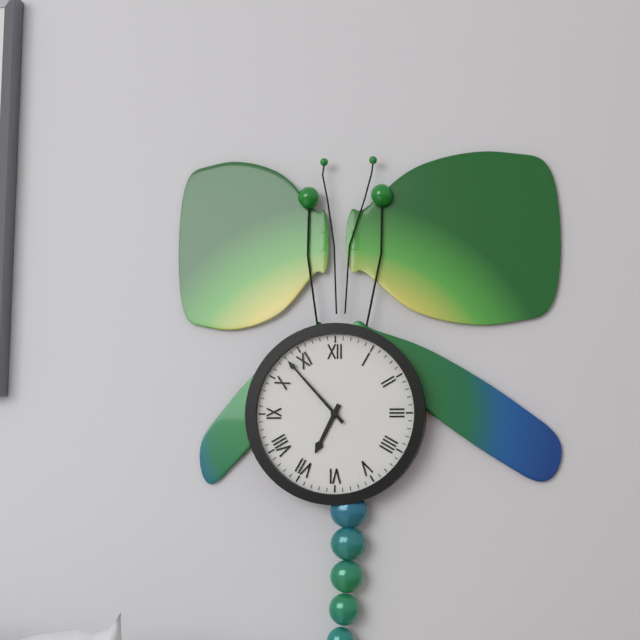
6:53
